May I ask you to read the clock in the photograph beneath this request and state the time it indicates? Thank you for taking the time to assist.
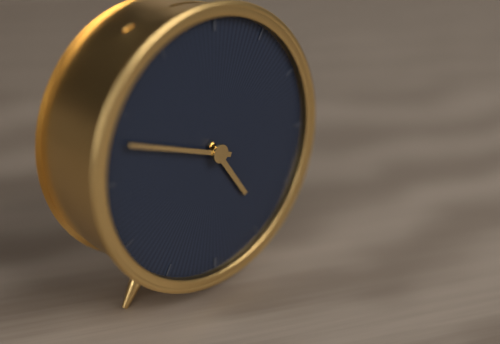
4:48
